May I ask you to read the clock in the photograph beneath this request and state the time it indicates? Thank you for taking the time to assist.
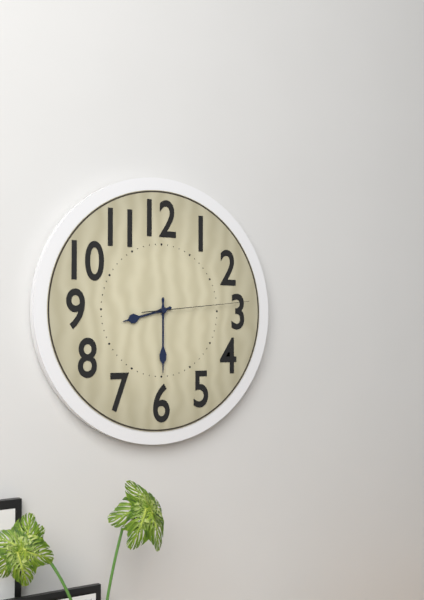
8:30:14
